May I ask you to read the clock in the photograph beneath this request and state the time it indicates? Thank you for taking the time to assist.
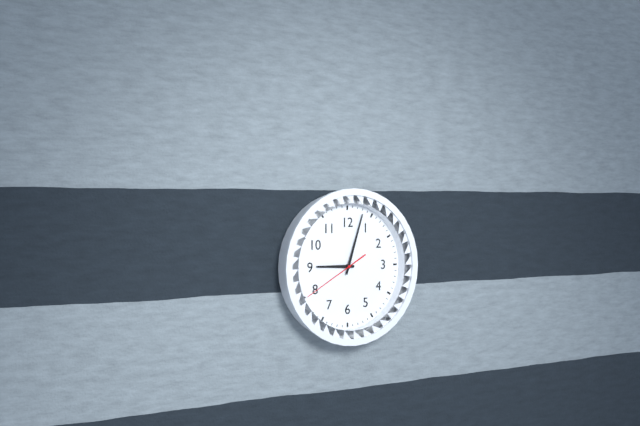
9:03:40
